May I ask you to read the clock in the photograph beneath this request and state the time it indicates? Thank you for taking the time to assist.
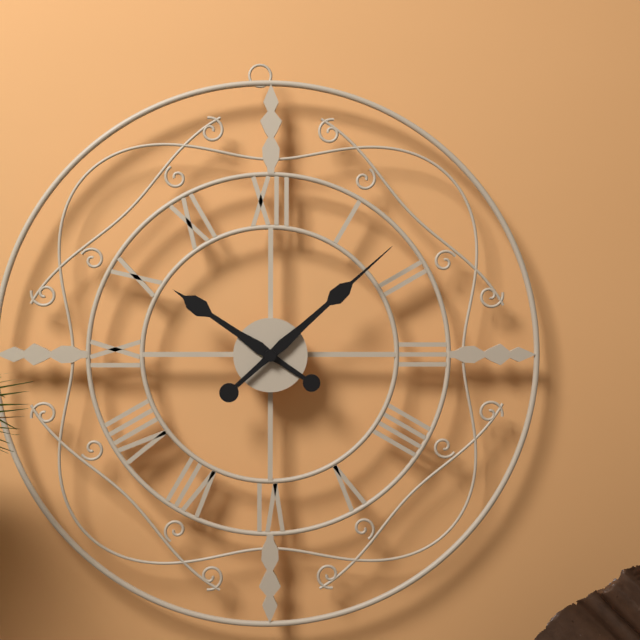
10:08
